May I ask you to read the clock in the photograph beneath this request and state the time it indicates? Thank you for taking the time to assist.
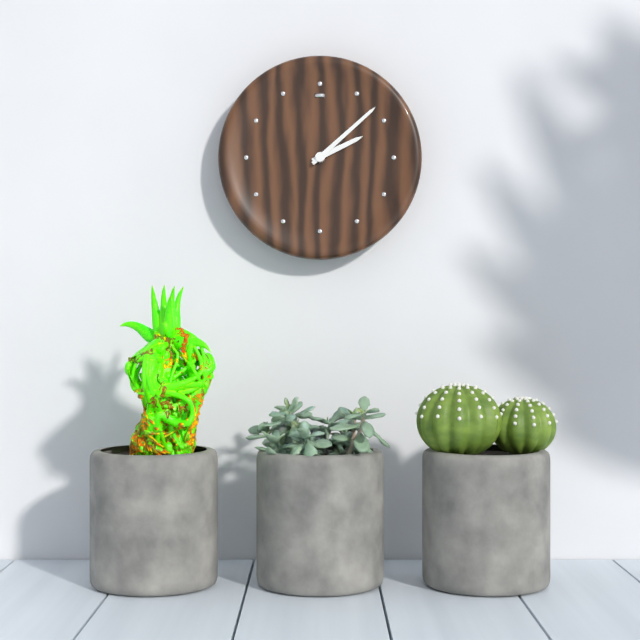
2:08
